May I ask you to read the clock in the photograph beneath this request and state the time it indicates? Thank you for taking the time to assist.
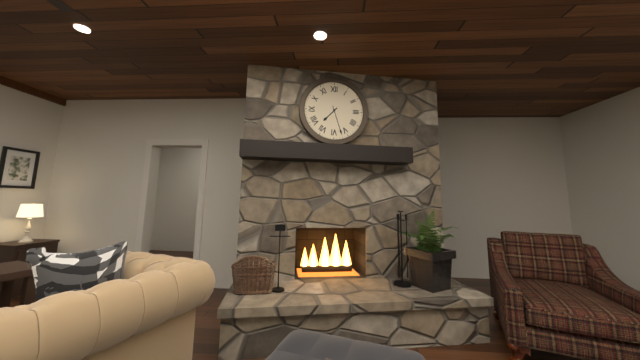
7:27
